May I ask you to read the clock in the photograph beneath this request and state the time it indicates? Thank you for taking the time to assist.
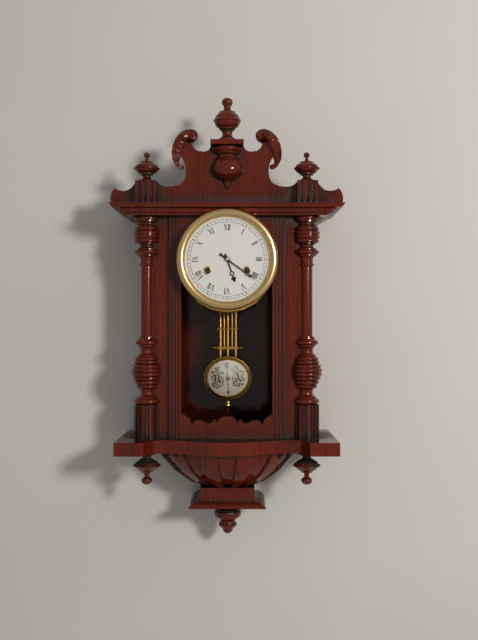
5:21
